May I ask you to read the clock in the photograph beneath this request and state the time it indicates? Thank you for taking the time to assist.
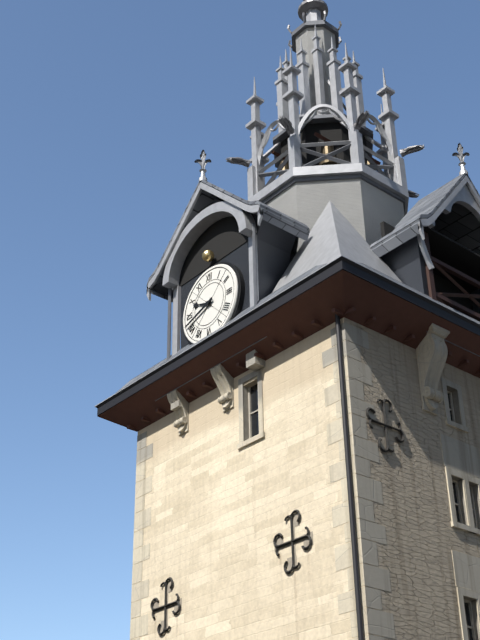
9:42
